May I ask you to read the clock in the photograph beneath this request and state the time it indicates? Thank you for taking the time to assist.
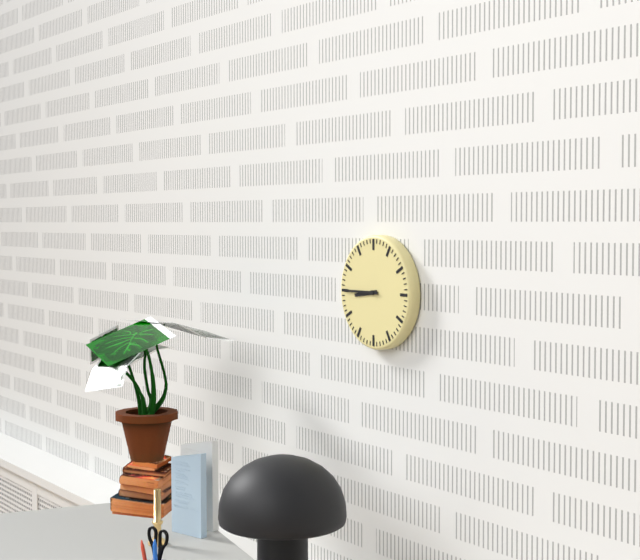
8:45
